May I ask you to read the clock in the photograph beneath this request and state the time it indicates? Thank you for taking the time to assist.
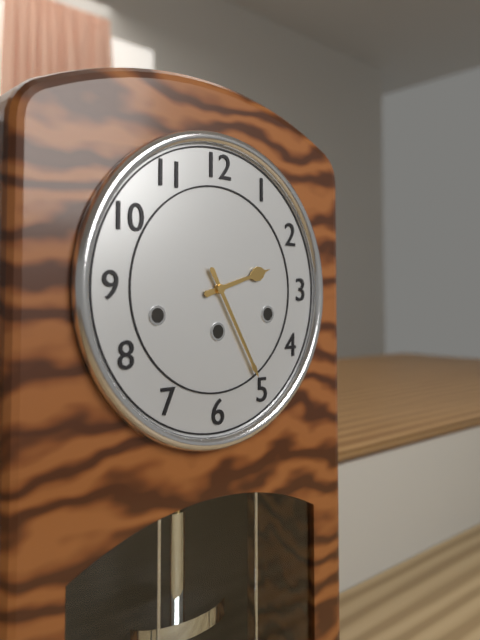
2:25
